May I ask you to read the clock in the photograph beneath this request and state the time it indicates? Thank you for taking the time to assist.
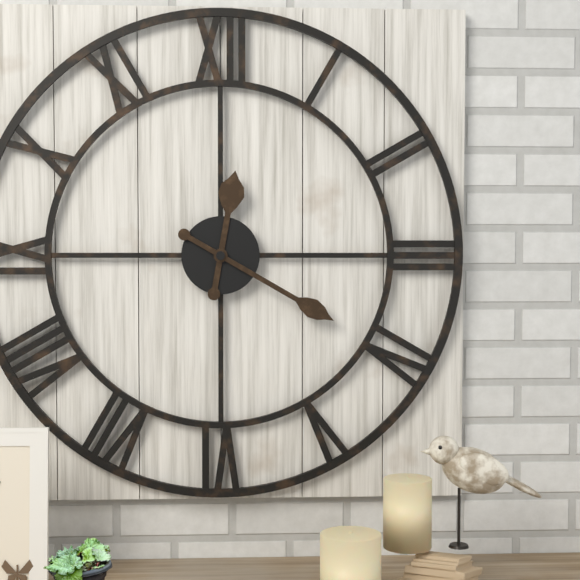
12:20
